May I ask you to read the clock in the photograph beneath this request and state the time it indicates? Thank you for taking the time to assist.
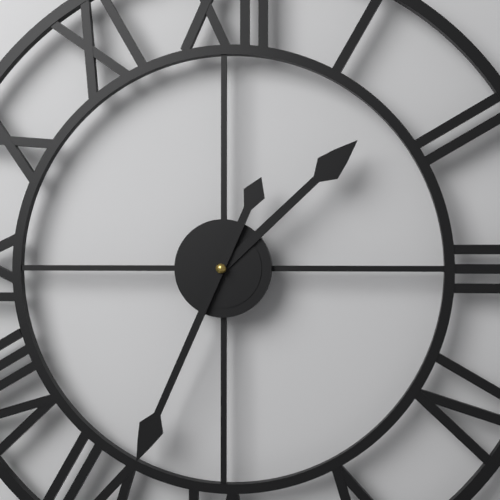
1:34
